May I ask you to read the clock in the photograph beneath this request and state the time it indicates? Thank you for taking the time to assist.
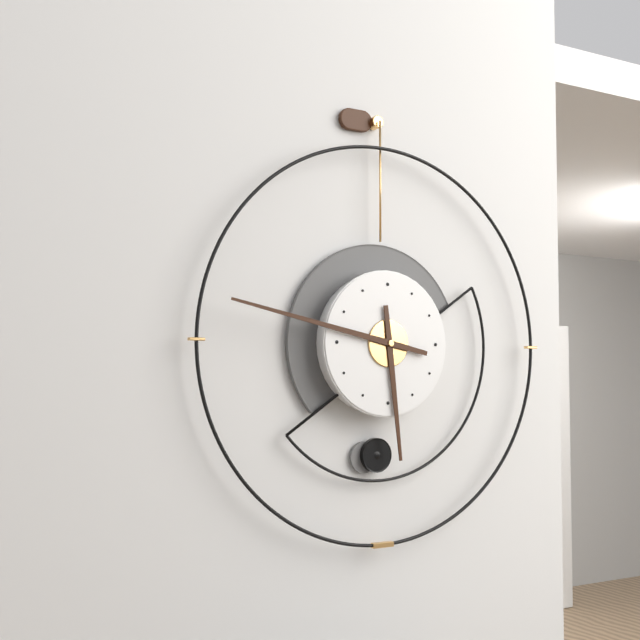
5:47
